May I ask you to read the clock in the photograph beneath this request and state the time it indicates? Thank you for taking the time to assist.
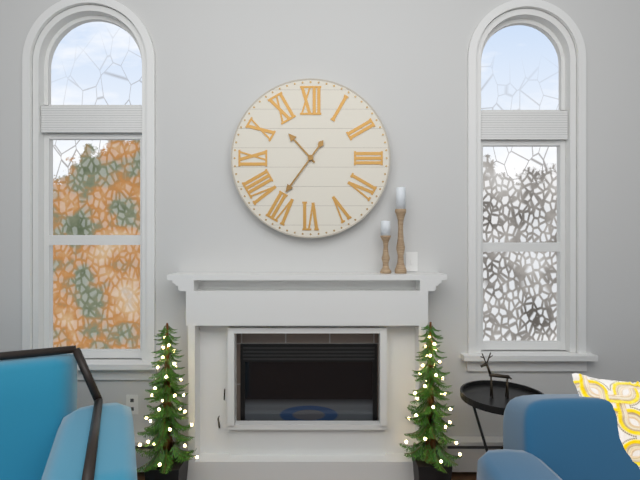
10:36
